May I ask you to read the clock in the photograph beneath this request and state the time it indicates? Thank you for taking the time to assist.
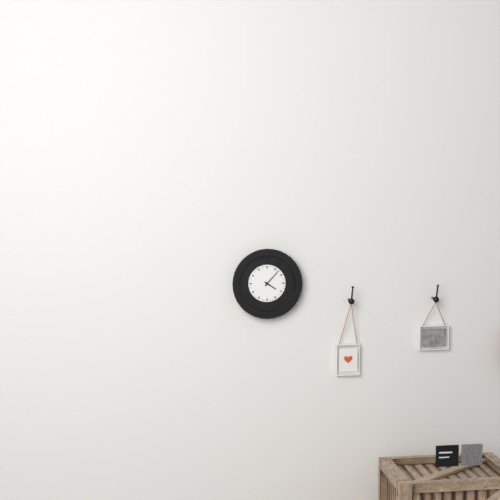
4:07
